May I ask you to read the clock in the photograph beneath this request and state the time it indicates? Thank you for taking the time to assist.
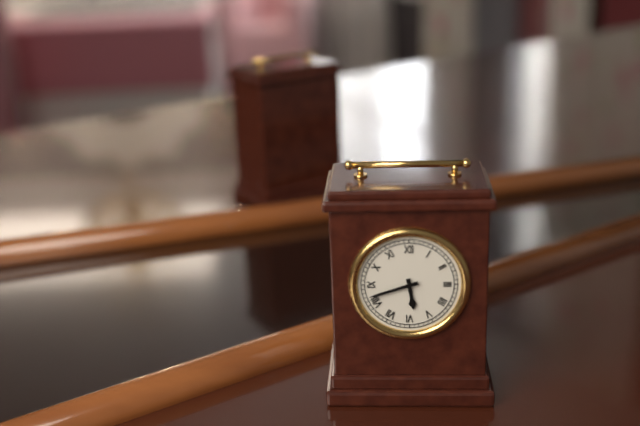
5:42
